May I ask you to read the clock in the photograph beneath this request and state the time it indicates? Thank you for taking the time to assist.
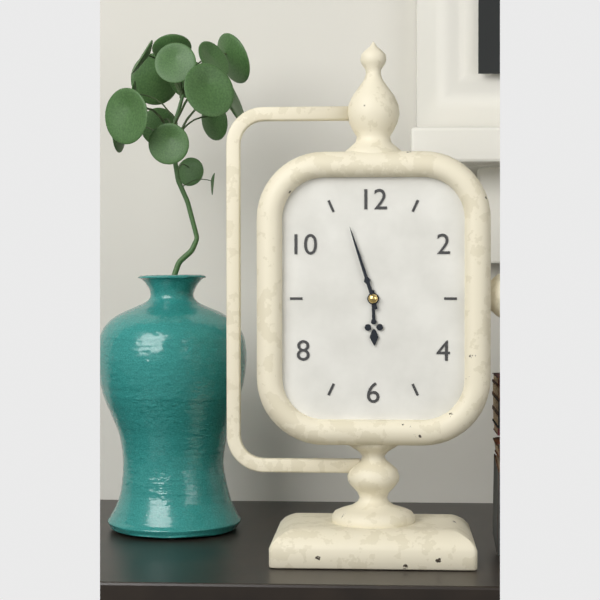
5:57
